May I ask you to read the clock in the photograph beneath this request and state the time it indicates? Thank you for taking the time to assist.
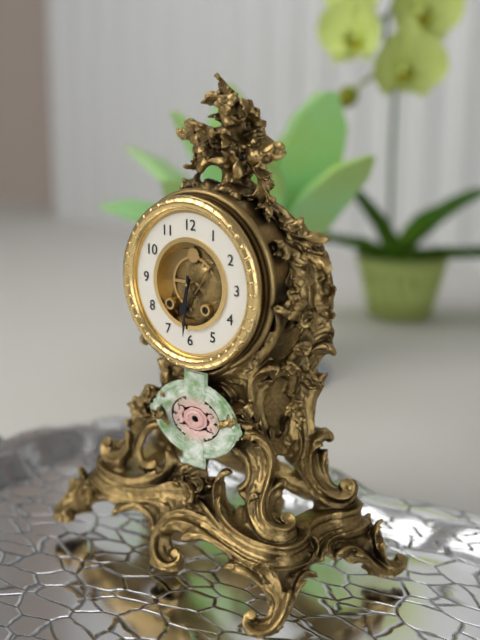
6:31
